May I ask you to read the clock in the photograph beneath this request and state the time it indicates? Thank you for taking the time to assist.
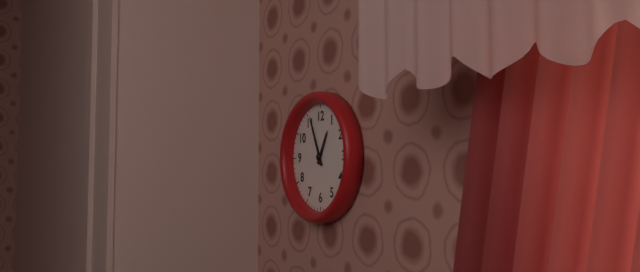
12:56
